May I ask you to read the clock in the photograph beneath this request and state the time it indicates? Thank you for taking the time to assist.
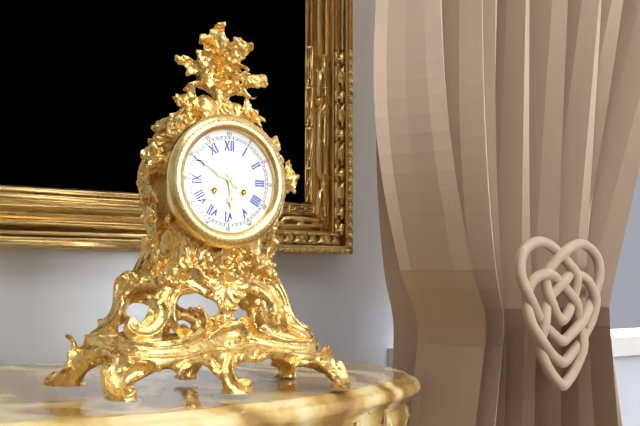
5:50
